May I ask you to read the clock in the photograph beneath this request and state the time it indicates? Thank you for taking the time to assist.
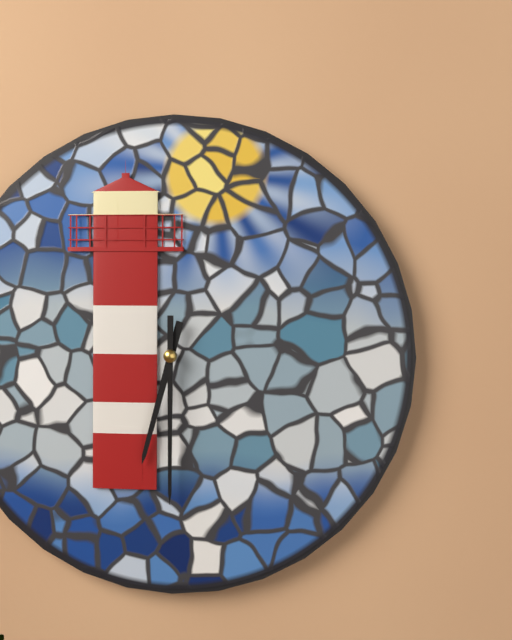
6:30
